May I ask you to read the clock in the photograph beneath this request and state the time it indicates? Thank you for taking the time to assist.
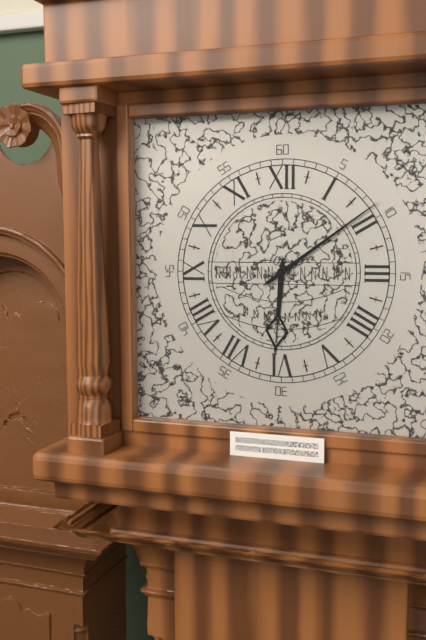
6:09
